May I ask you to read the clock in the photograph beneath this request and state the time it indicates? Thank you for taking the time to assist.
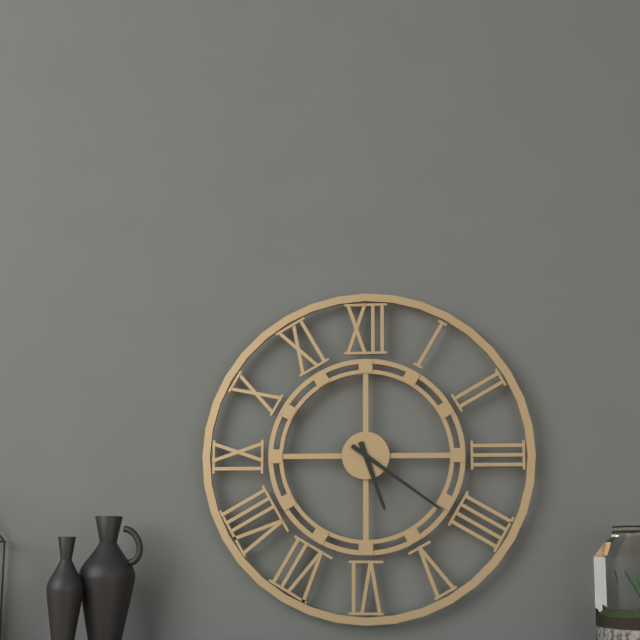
5:21
